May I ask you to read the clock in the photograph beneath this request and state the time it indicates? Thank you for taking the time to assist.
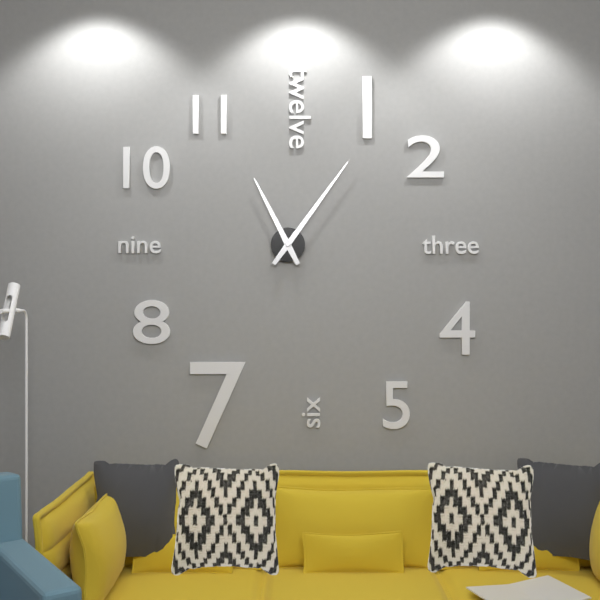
11:06
